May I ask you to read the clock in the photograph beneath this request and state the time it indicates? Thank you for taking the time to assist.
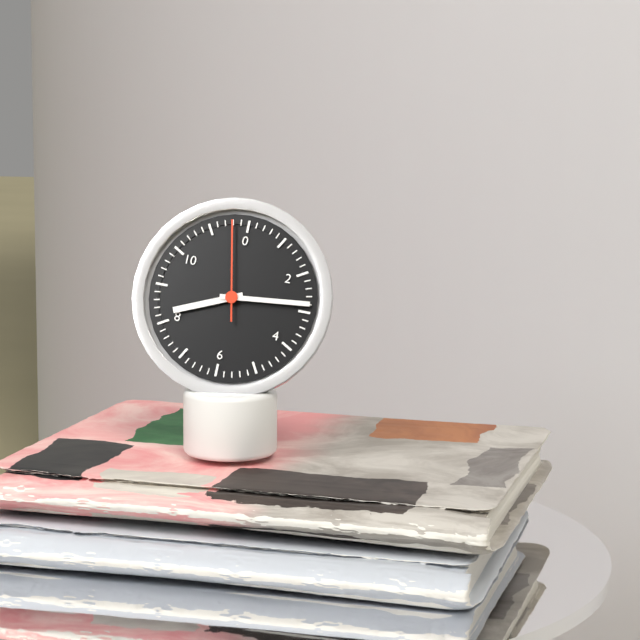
8:14:58
